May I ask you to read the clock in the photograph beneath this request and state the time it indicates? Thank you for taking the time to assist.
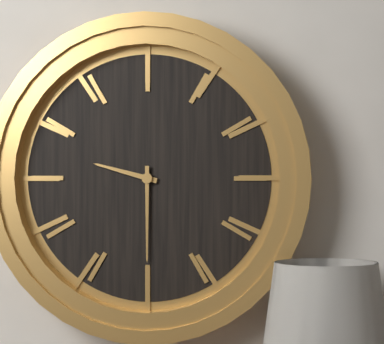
9:30
